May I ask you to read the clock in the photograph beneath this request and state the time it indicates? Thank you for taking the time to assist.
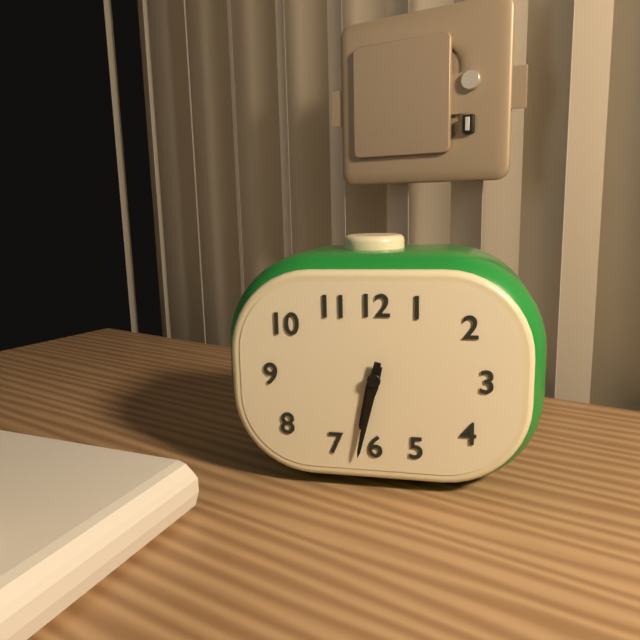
6:32
